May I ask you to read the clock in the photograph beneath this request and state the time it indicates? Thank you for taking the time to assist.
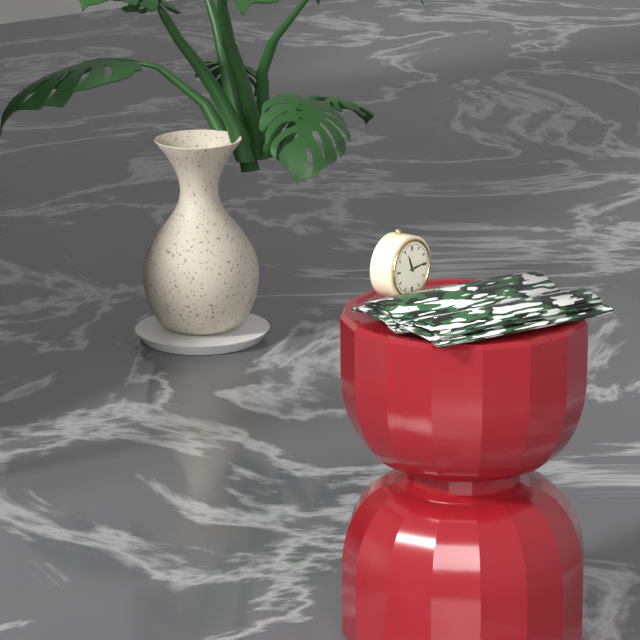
11:14
